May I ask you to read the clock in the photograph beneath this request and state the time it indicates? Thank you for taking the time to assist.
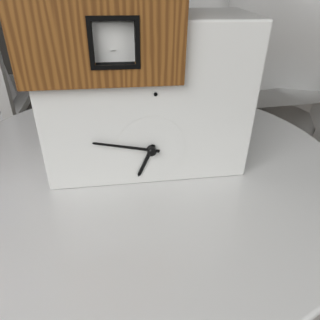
6:47
